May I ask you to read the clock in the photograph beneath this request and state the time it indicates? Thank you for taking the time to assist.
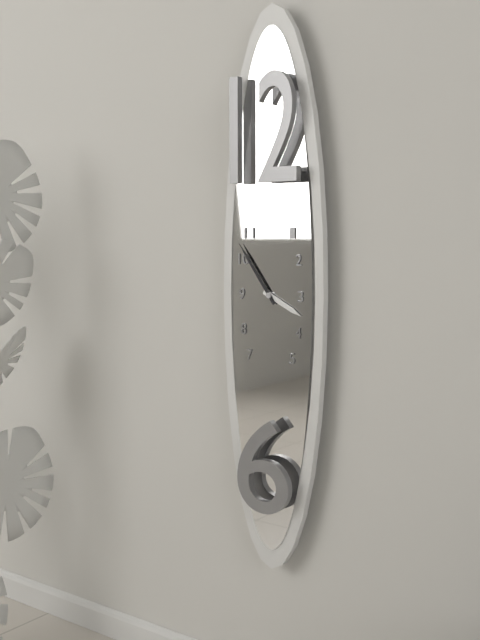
3:54
